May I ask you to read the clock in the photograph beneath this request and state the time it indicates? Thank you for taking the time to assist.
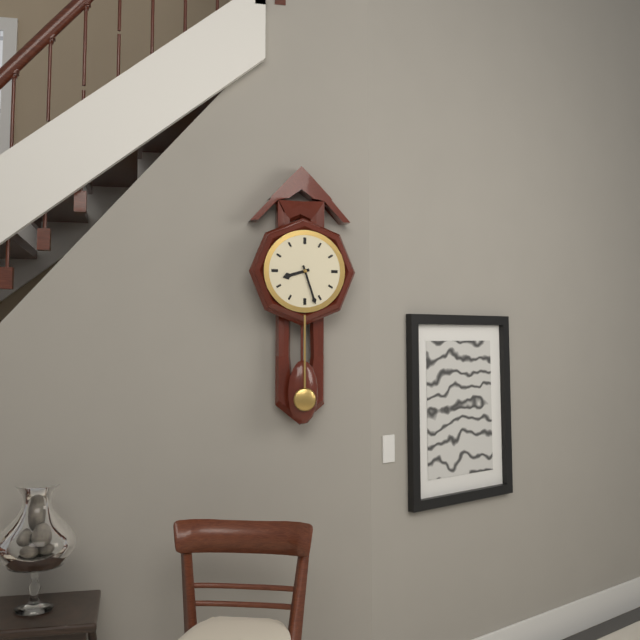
8:27
